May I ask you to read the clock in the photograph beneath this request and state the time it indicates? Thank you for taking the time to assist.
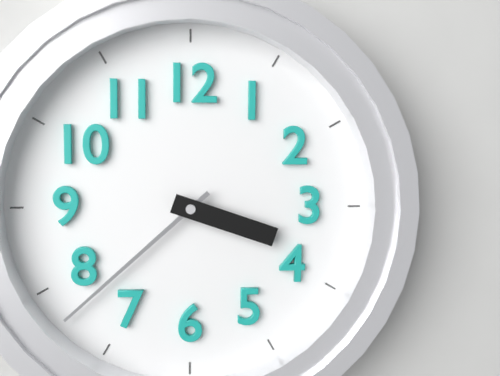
3:38
